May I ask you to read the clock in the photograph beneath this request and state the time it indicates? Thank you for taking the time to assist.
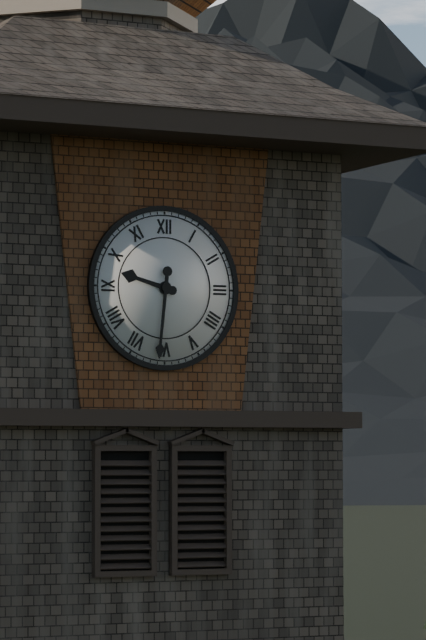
9:31
